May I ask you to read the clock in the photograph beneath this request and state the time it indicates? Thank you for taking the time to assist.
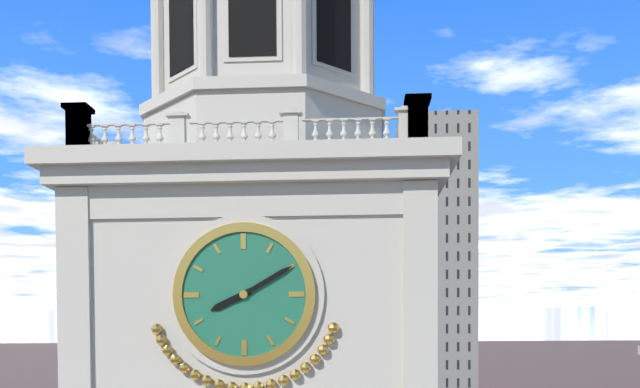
8:10
